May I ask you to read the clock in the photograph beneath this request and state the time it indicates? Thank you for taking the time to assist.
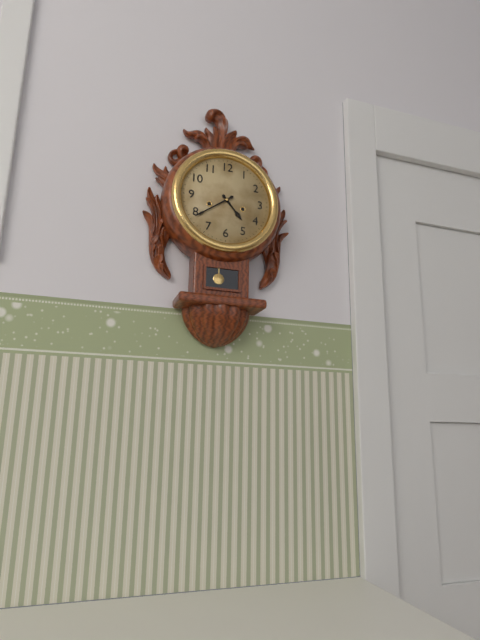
4:39
